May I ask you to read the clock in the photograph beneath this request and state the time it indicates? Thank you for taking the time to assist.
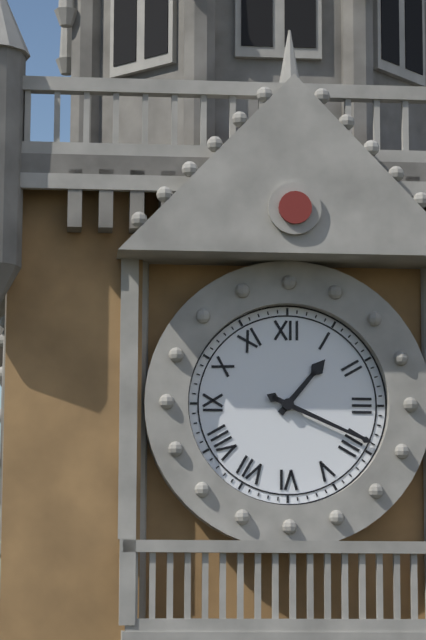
1:19
